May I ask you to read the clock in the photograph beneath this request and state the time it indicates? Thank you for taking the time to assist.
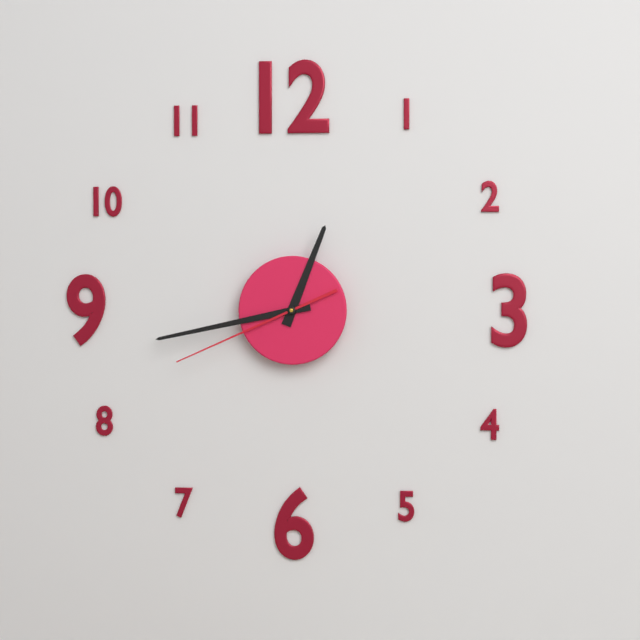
12:43:41
